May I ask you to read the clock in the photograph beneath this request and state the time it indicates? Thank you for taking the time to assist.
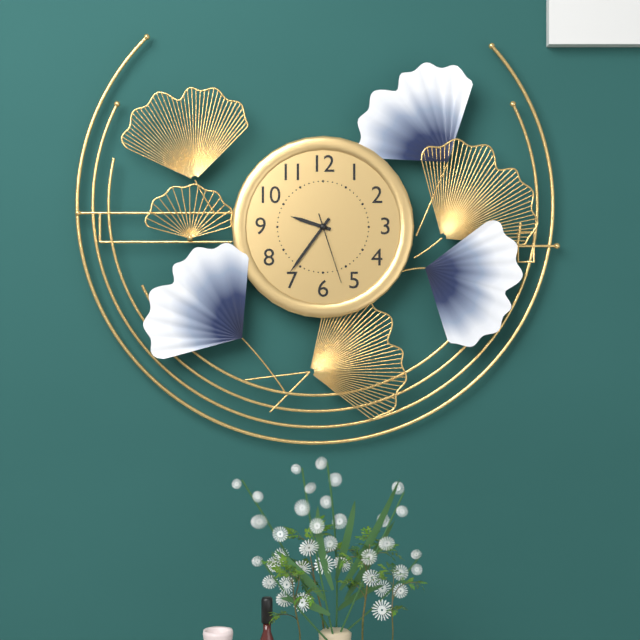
9:36:27
